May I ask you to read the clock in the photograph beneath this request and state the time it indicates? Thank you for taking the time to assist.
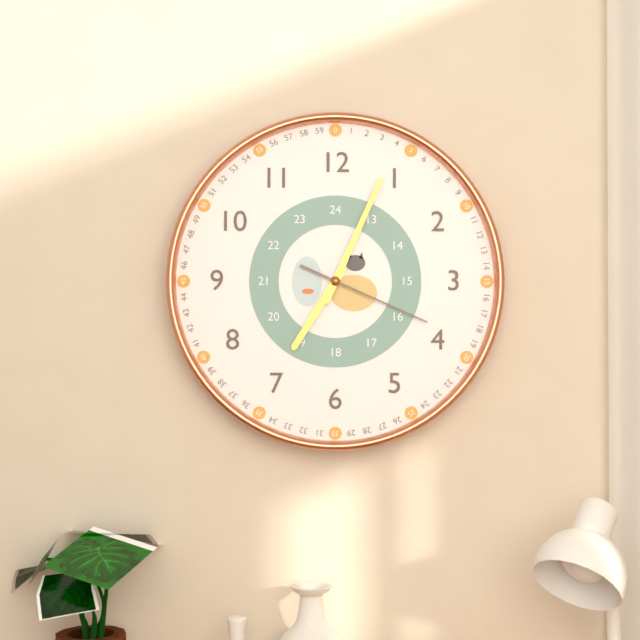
7:04:19
